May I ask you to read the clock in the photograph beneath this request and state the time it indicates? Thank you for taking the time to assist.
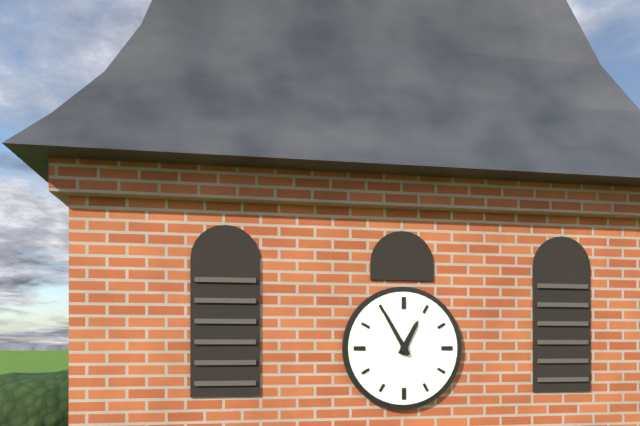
12:55
